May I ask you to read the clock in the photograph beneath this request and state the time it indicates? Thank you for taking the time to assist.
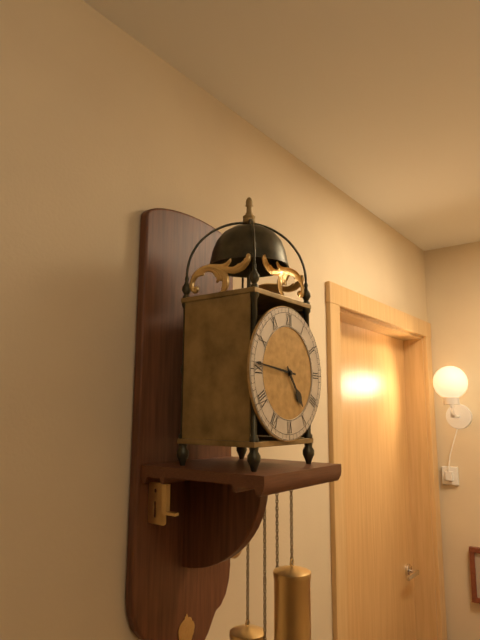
4:46
